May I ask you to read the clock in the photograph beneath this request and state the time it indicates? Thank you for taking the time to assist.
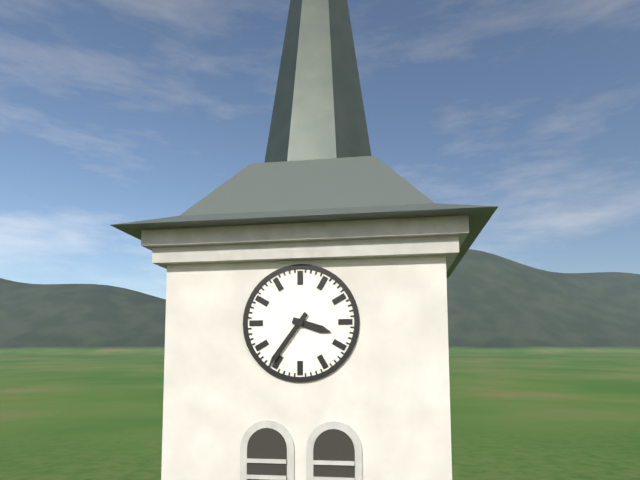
3:36
